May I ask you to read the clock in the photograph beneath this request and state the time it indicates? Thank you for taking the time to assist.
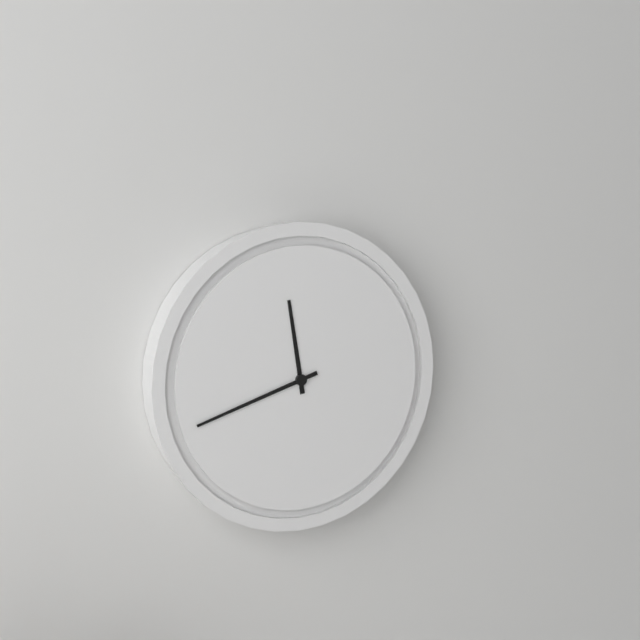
11:42
